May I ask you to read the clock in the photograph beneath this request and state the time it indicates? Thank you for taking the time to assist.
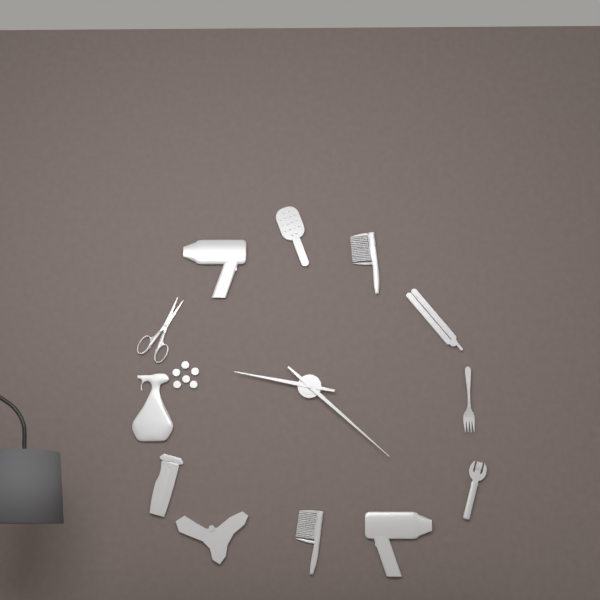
9:22
